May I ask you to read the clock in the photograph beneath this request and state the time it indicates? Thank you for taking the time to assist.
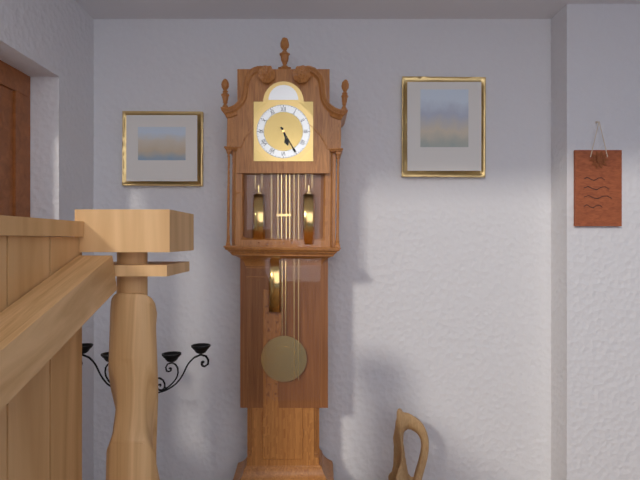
5:25
